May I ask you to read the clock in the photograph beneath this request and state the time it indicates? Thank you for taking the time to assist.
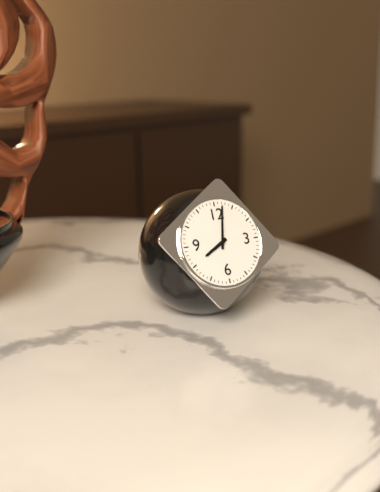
8:02
